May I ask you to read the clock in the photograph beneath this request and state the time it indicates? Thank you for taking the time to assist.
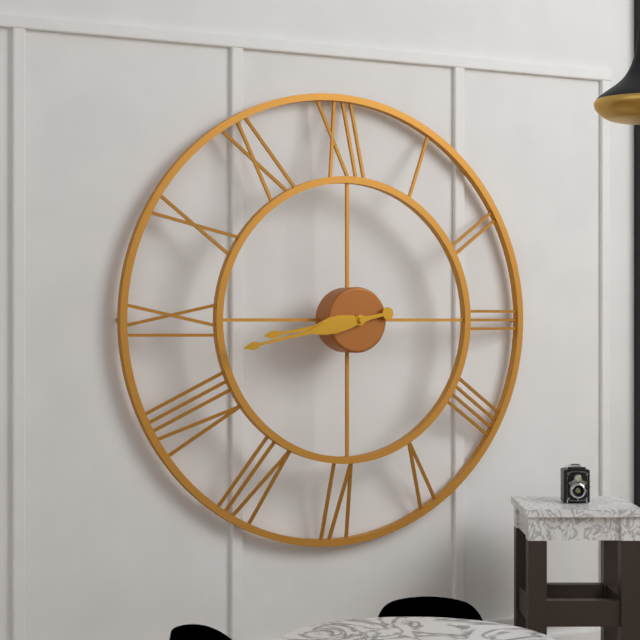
8:43
